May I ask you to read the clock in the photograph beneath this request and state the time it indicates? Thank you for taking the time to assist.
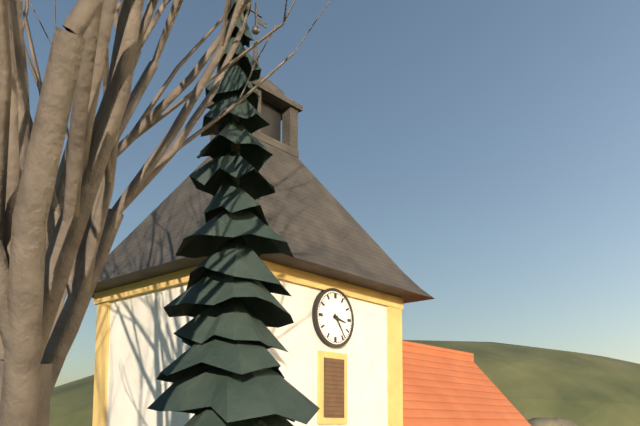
3:24
